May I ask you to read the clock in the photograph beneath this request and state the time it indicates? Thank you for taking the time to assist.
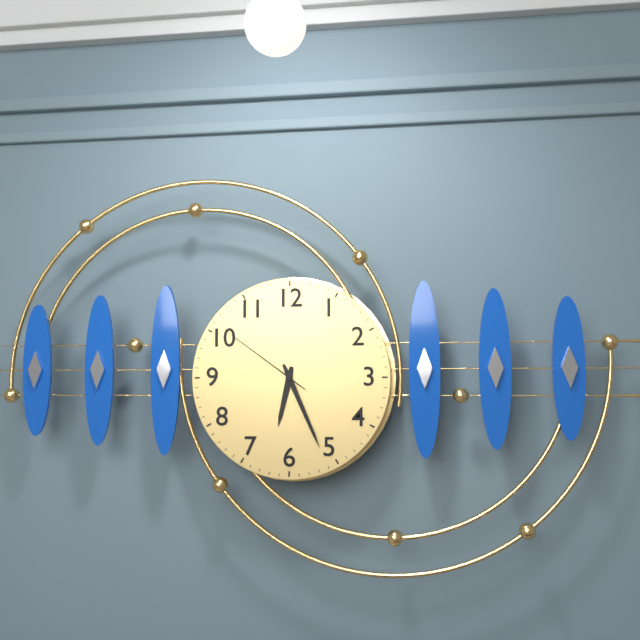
6:26:51
